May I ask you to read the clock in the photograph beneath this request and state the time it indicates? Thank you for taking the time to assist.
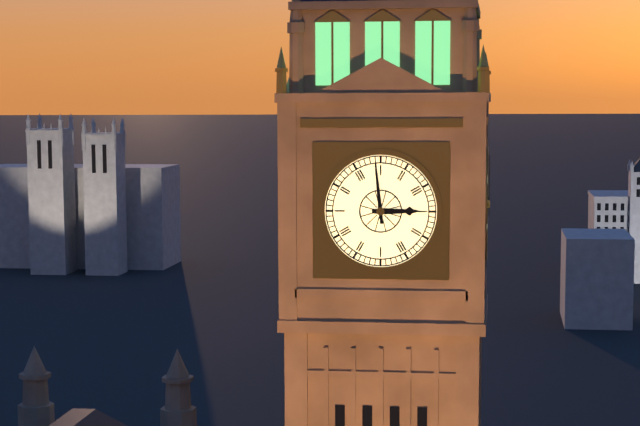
2:59
